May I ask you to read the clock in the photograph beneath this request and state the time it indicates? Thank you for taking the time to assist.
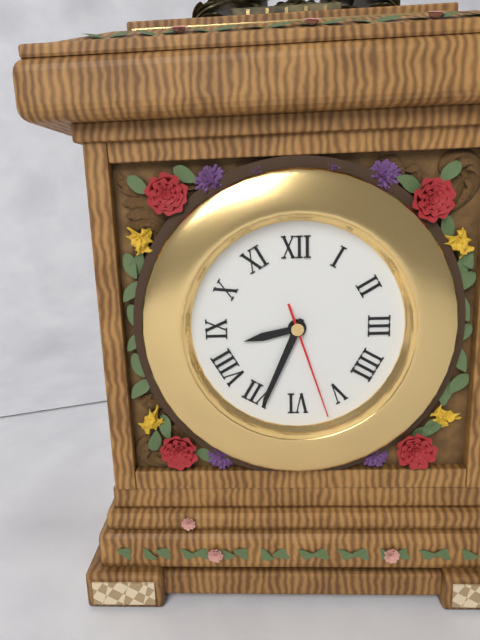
8:34:27
